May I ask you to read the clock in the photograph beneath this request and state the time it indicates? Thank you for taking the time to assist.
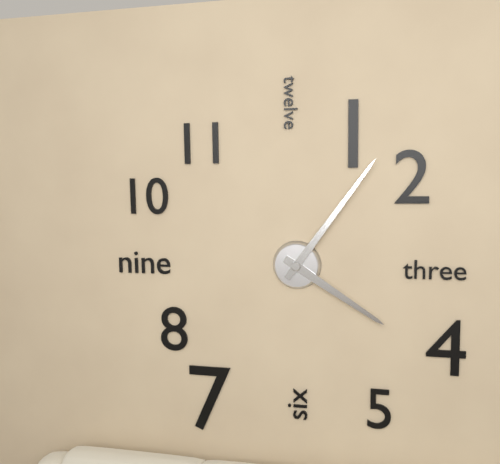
4:06
